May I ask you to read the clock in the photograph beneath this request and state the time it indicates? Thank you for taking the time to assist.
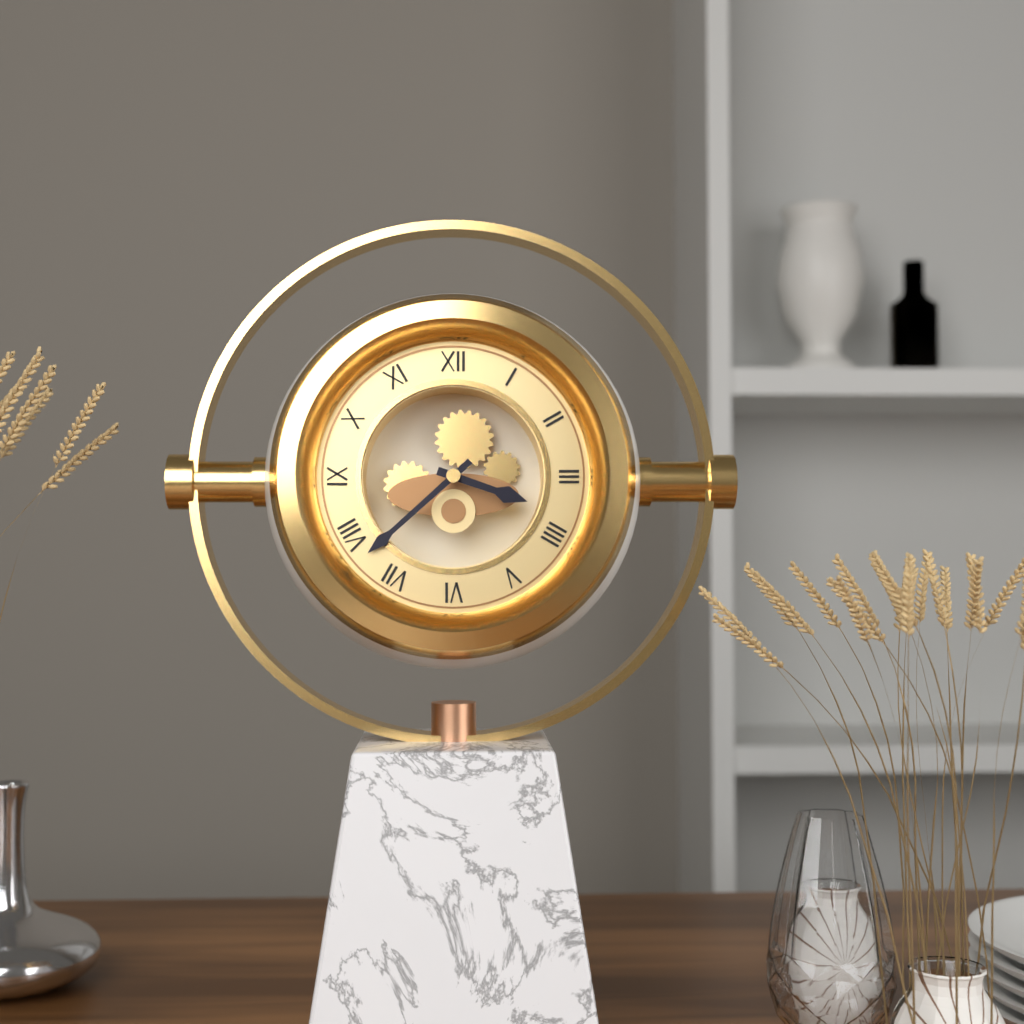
3:38
